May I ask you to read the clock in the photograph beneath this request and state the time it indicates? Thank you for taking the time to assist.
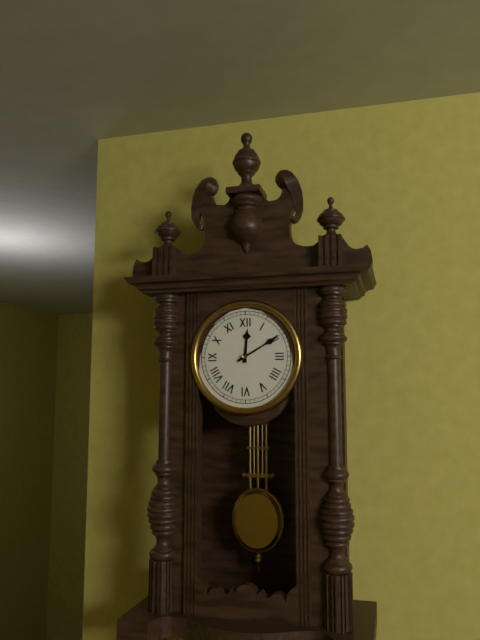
12:10
